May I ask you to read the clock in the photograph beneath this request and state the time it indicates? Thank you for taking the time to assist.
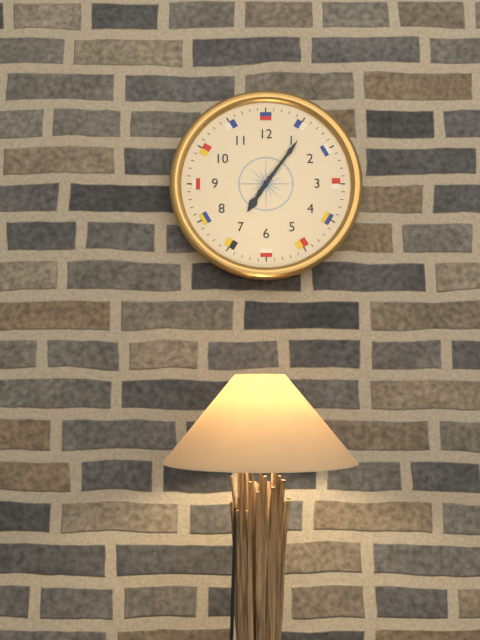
7:06
